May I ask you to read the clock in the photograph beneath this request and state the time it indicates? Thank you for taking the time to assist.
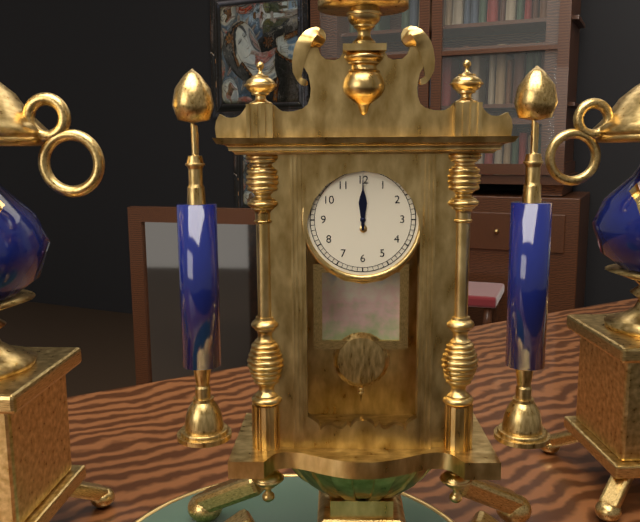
12:00
